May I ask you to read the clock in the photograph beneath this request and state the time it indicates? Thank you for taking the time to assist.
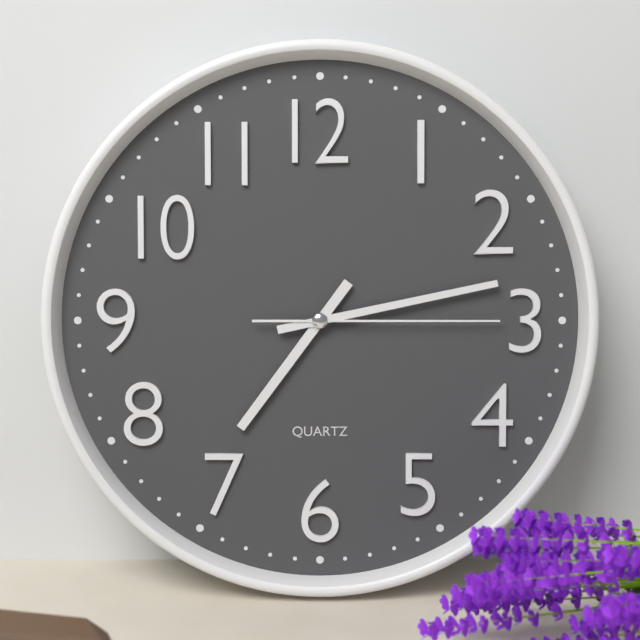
7:13:15
